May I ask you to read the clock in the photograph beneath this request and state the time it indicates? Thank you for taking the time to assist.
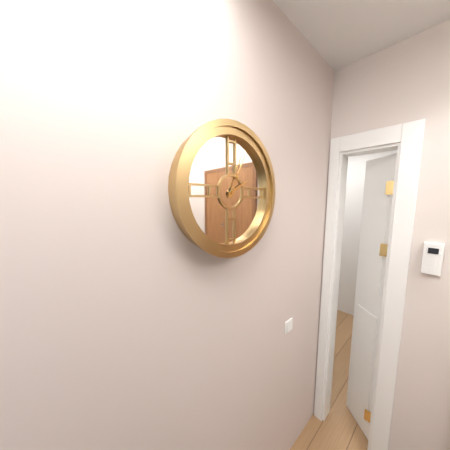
2:04
